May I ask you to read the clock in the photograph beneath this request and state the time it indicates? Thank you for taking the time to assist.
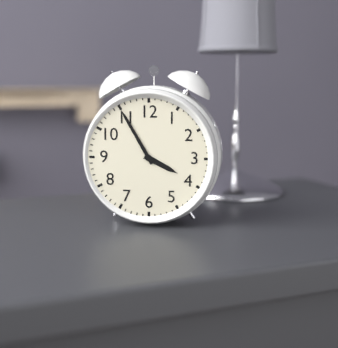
3:55
